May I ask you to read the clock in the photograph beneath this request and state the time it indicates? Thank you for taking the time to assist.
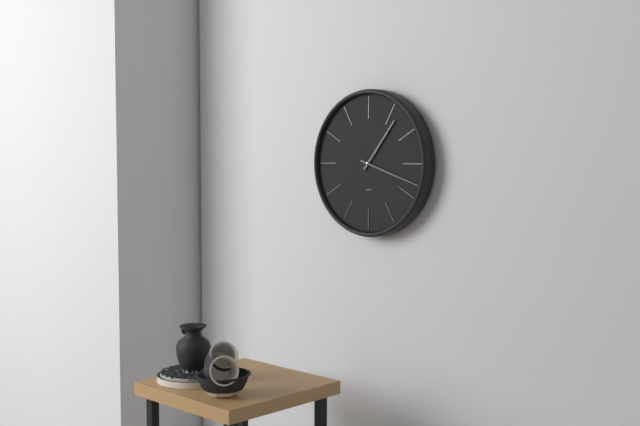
1:18
